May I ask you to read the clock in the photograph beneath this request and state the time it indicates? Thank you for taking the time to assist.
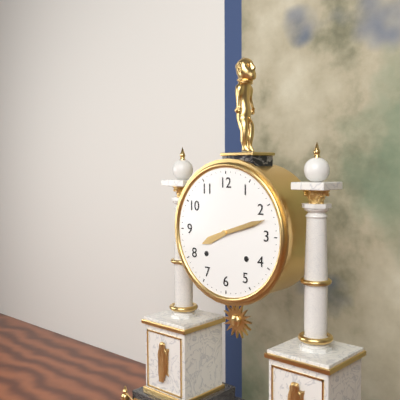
8:12
